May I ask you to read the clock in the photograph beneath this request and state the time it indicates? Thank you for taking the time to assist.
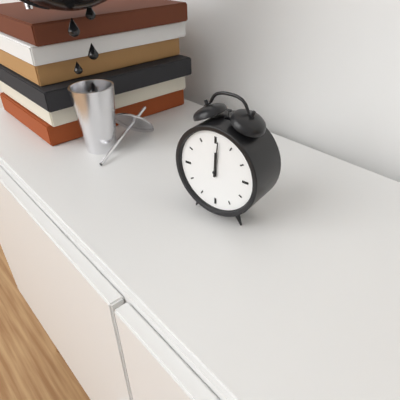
12:01
